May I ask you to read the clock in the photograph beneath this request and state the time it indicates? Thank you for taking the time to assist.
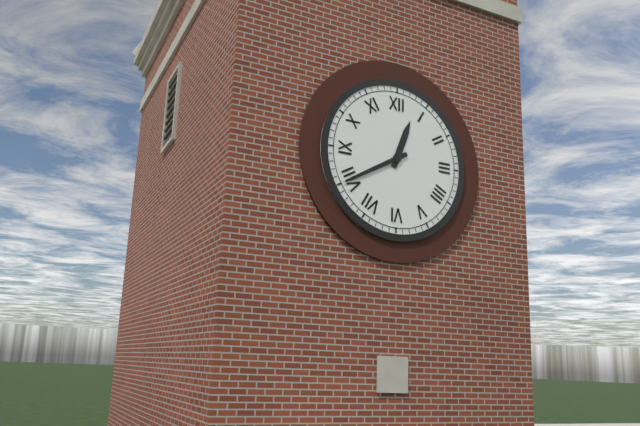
12:40
